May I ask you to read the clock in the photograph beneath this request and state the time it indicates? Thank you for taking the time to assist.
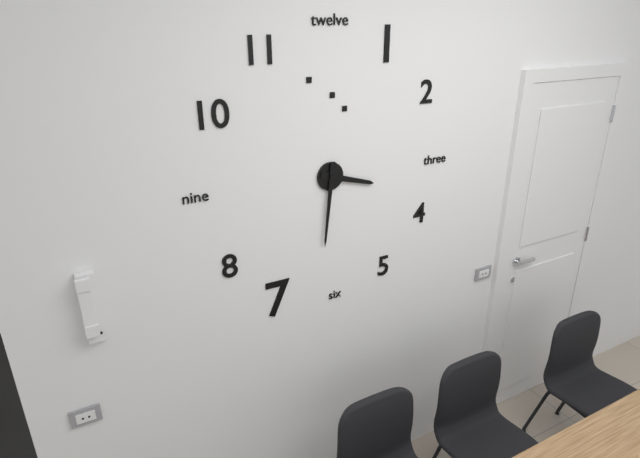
3:31
